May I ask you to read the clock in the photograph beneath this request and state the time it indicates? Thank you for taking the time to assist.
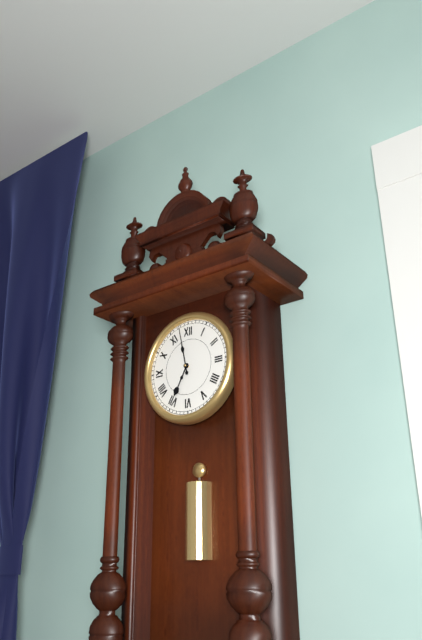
6:58
